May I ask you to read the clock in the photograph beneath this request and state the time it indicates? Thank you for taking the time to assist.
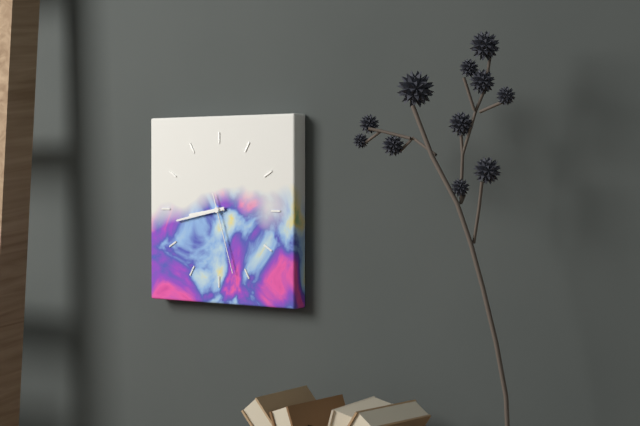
8:43:27
